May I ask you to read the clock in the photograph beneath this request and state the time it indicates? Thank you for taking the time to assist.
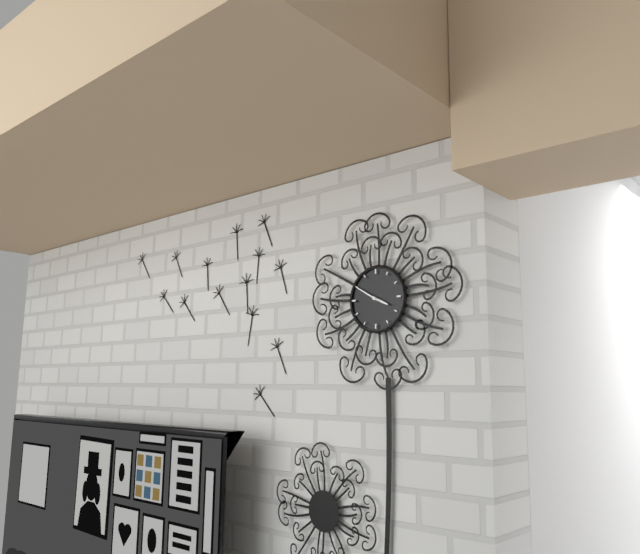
3:50
